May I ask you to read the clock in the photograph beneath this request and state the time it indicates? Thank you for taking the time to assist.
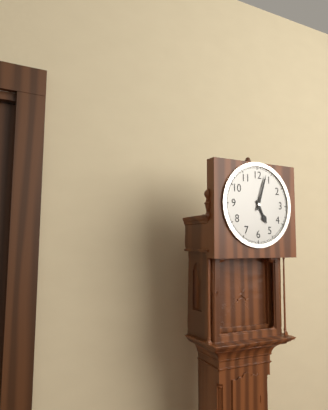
5:03
